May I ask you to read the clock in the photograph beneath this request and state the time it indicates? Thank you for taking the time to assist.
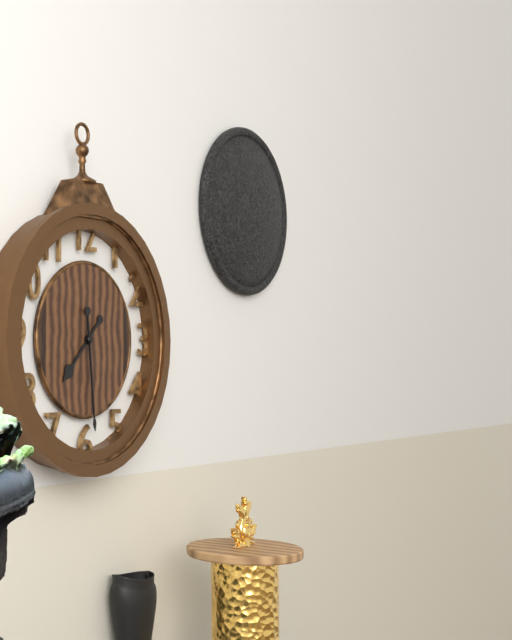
7:29
